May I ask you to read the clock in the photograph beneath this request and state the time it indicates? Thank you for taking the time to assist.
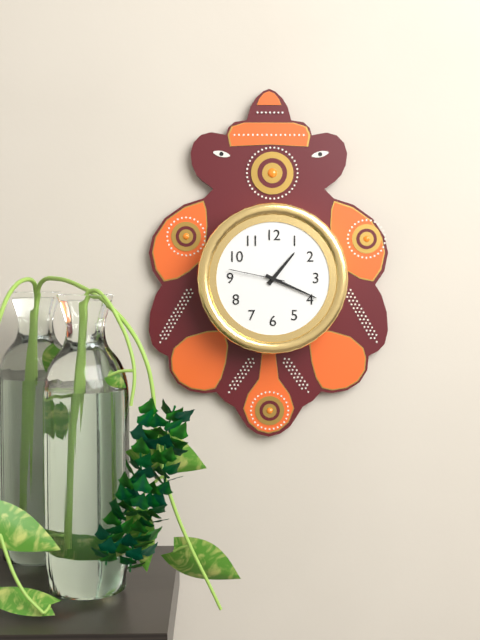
1:19:47
